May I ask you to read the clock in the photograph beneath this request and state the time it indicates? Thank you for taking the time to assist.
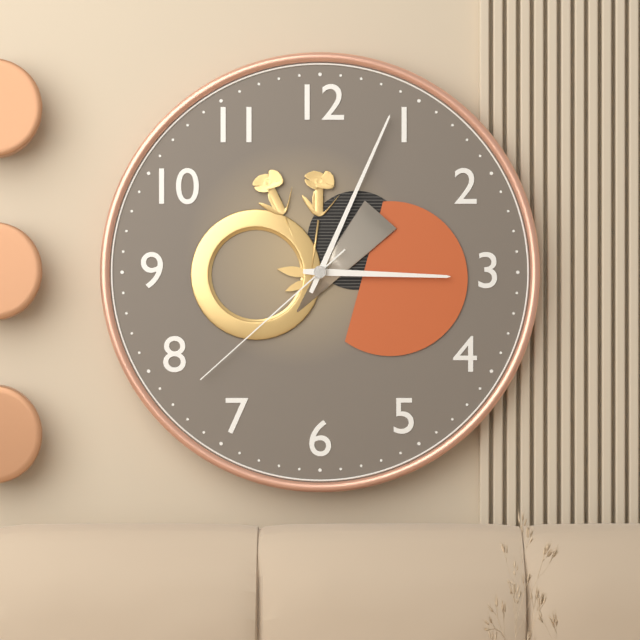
3:04:38
